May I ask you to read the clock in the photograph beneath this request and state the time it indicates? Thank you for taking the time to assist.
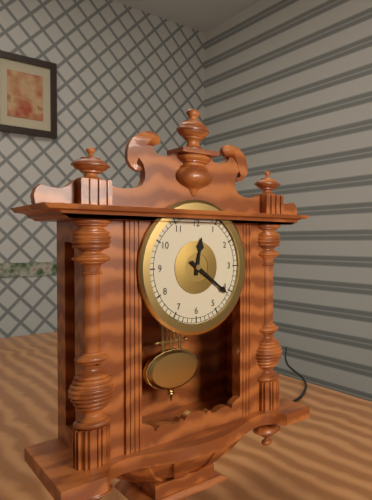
12:21
